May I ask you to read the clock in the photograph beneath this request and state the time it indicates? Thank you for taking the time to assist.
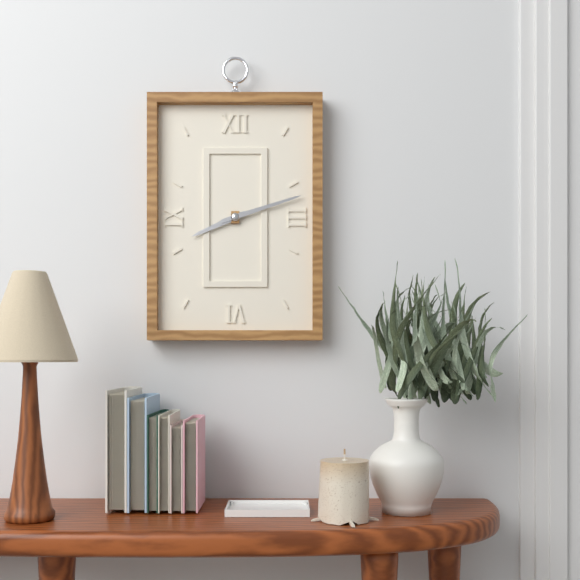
8:12
